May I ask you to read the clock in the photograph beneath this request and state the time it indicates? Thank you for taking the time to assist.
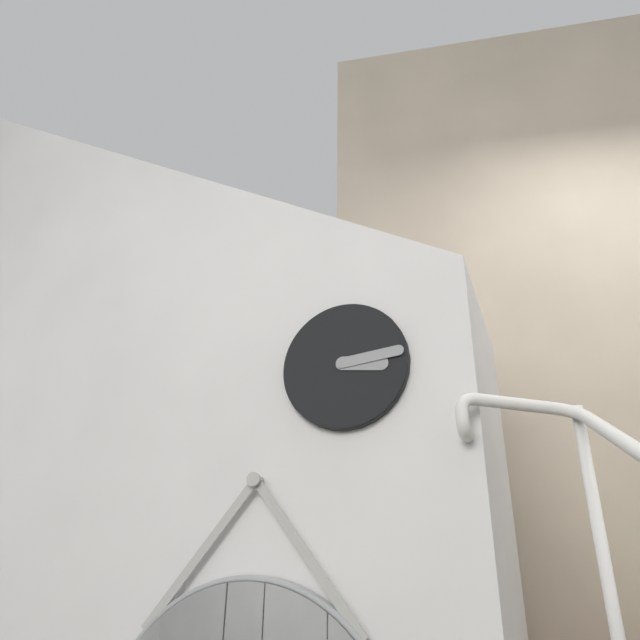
3:14
